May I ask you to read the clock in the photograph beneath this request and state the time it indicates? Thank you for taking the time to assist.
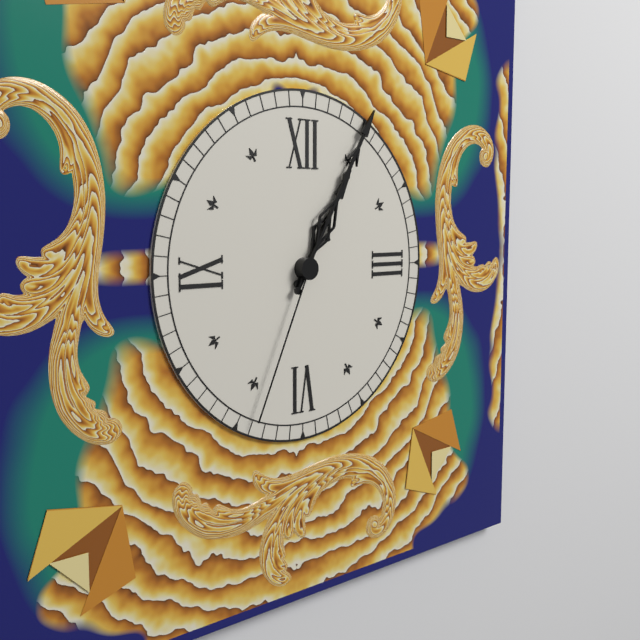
1:05:34
